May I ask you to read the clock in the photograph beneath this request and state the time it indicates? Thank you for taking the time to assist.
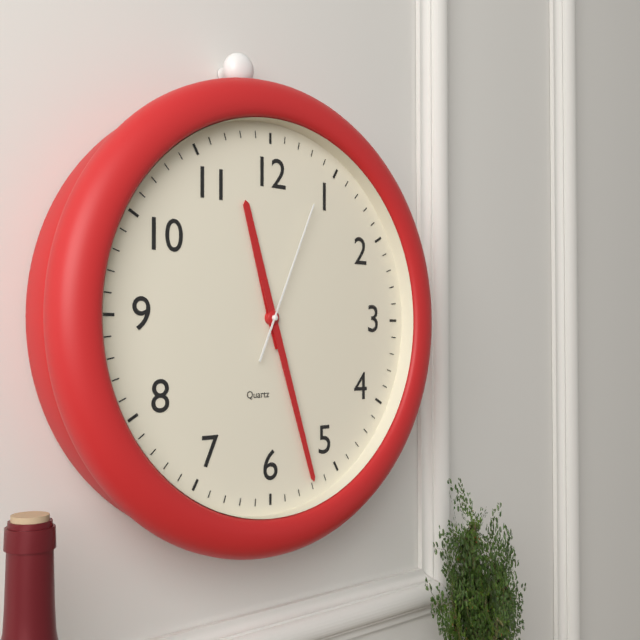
11:27:04
